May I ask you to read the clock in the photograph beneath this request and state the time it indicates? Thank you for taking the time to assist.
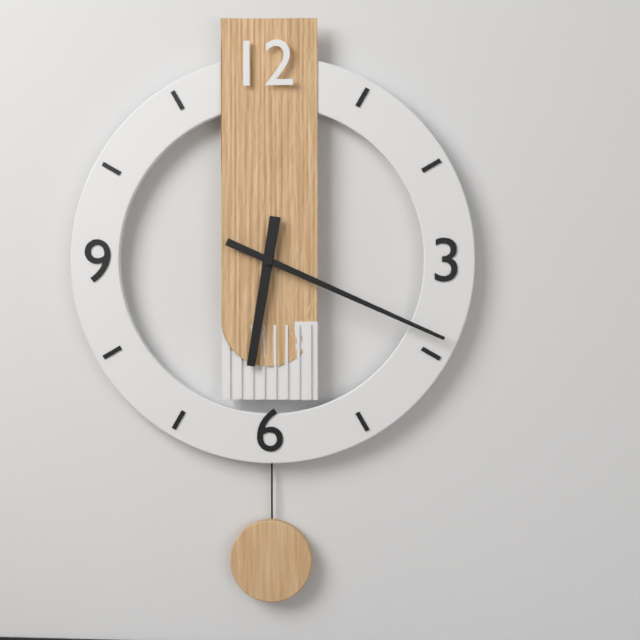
6:19
